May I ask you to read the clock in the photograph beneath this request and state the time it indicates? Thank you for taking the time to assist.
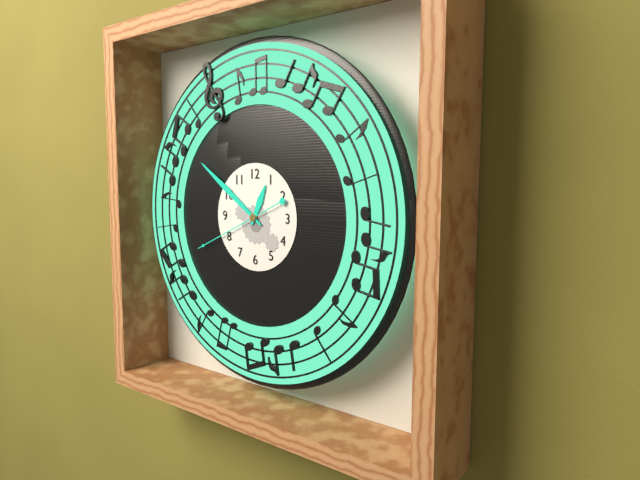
12:51:41
